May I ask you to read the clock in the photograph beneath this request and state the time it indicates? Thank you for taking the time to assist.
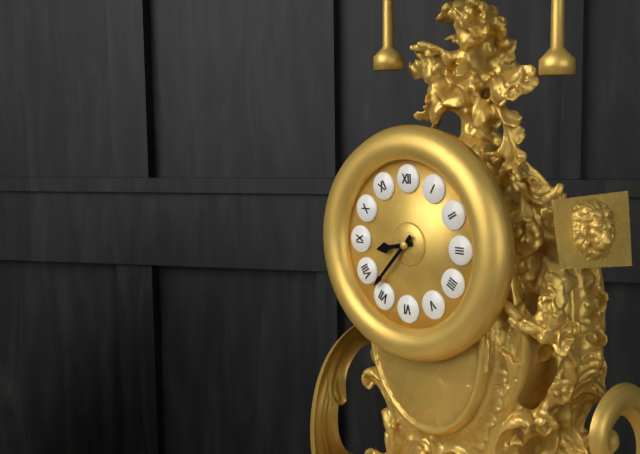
8:37
